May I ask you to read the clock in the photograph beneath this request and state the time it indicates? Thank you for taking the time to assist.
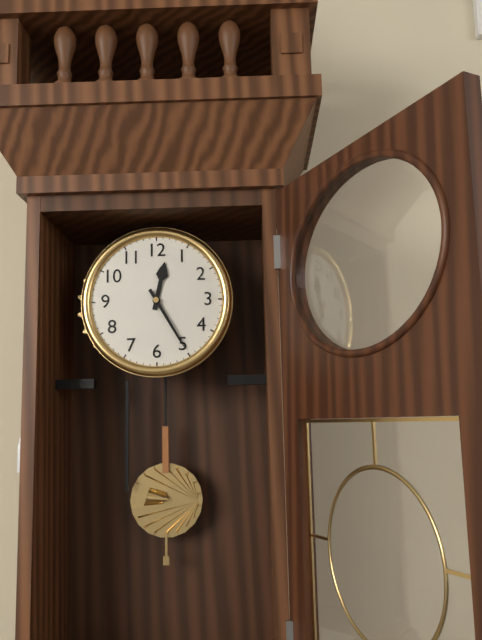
12:25
